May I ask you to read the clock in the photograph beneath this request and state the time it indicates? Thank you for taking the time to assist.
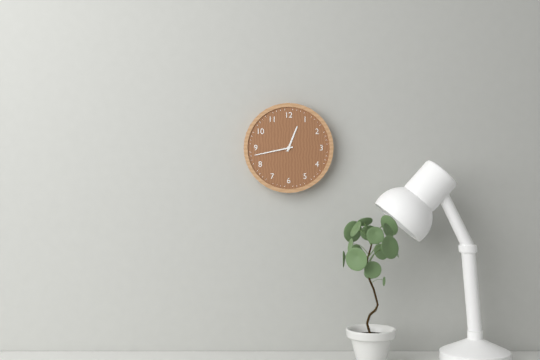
12:43
